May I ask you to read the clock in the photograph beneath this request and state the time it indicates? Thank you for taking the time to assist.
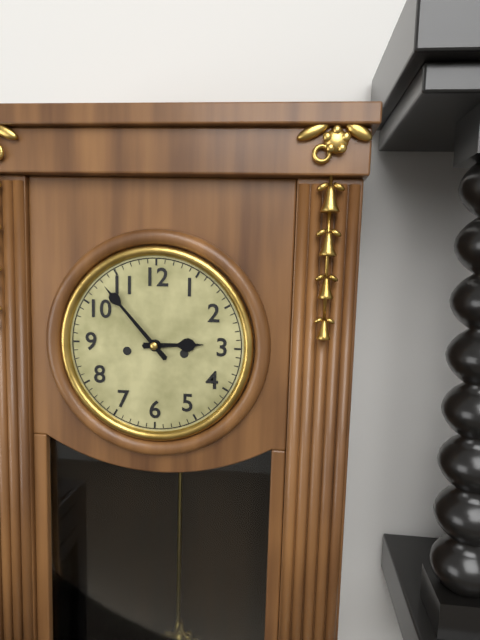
2:53
